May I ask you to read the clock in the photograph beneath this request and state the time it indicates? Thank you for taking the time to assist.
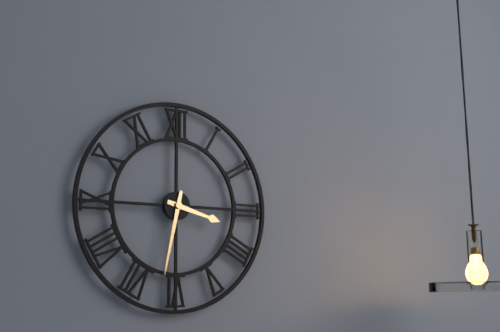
3:32
